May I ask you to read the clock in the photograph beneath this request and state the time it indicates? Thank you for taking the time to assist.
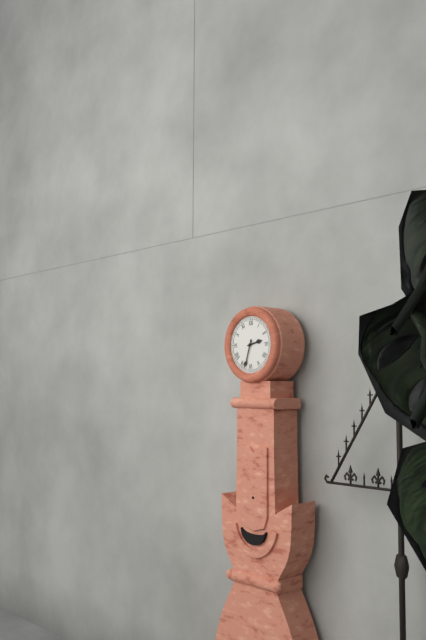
2:33
